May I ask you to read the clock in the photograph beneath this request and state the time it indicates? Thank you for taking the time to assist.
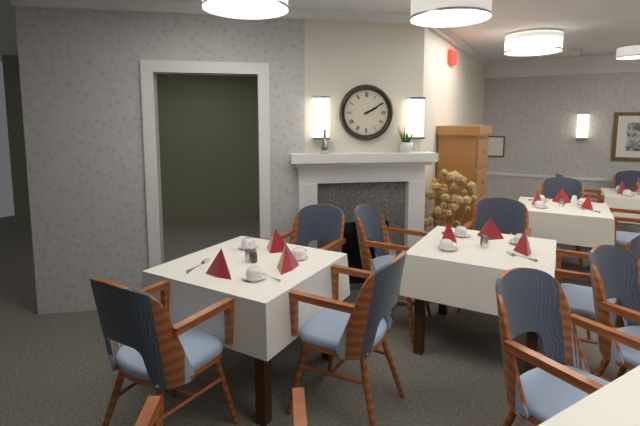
2:10
